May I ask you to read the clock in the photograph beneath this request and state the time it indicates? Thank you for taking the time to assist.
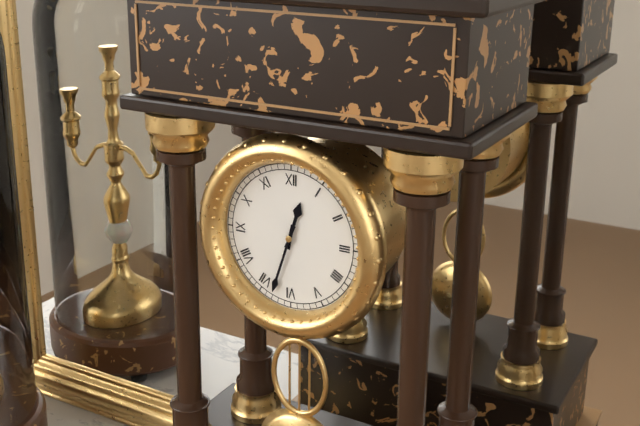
12:33
